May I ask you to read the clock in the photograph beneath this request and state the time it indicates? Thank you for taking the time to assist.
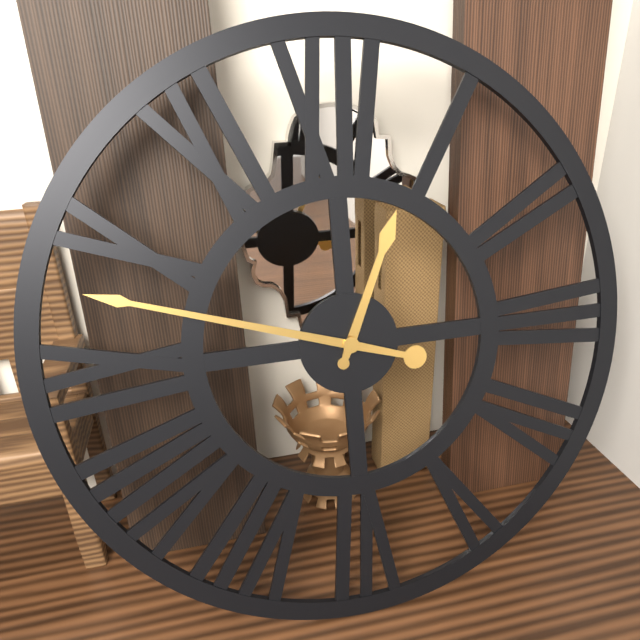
12:48
